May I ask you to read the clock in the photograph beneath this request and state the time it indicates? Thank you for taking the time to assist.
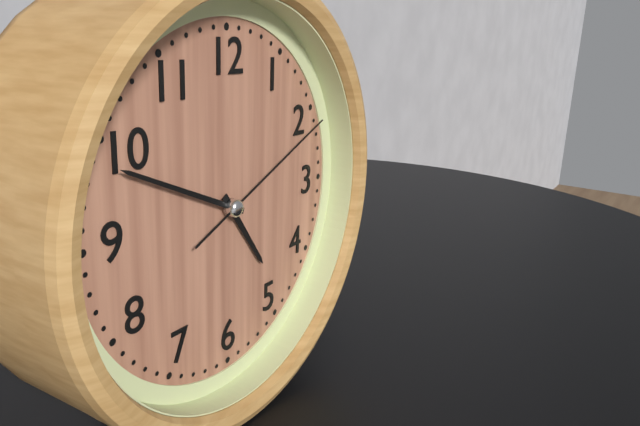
4:49:11
